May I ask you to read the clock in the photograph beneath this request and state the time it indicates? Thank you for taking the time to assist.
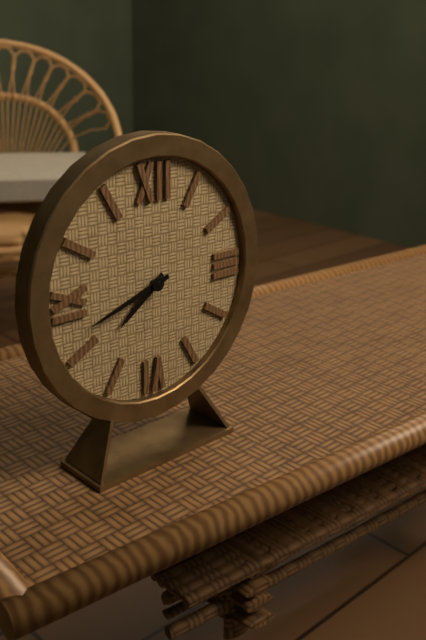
7:42
